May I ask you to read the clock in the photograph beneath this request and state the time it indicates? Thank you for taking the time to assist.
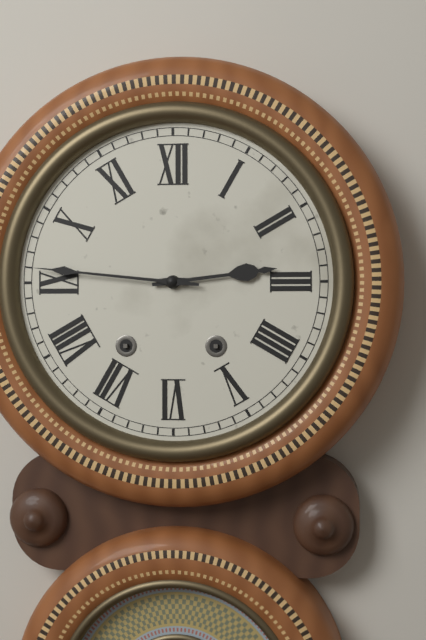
2:46
